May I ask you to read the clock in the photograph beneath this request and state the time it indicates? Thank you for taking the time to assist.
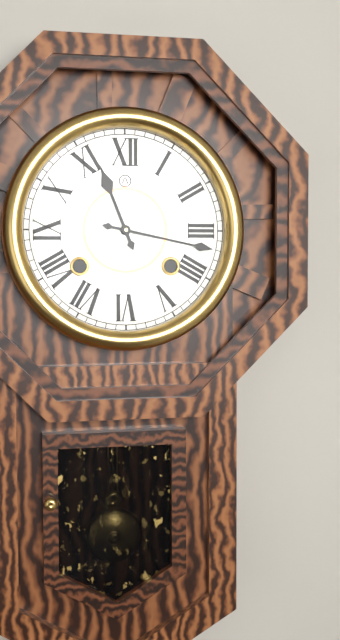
11:17
